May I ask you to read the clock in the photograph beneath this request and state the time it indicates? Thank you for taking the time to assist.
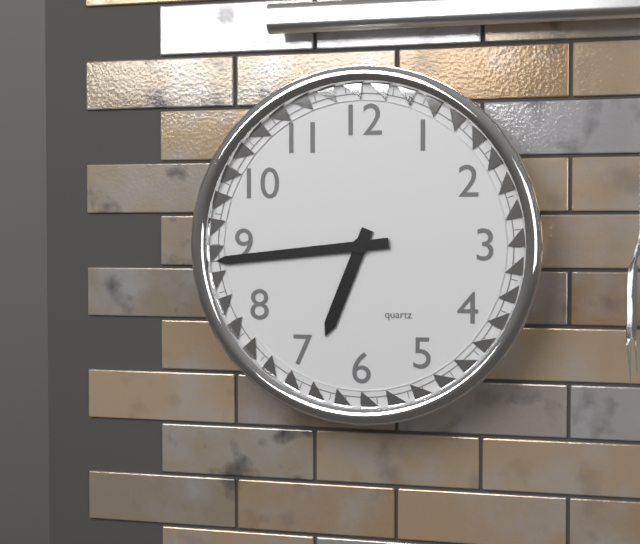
6:44
